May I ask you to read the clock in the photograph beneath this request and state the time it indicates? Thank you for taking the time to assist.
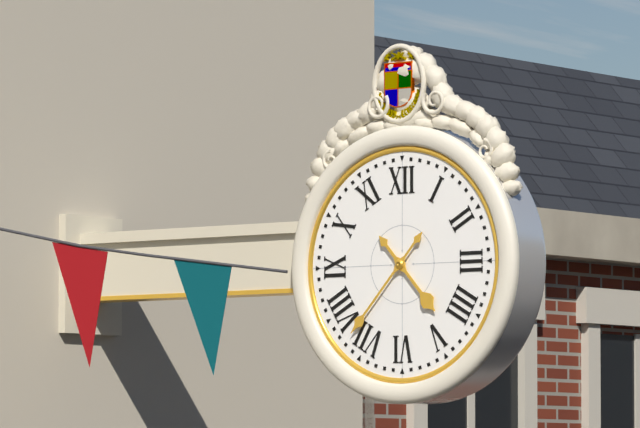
4:37
